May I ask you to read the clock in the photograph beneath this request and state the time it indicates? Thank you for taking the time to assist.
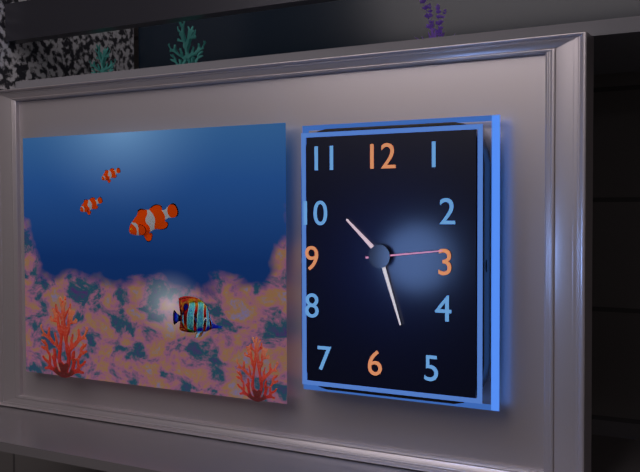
10:27:14
